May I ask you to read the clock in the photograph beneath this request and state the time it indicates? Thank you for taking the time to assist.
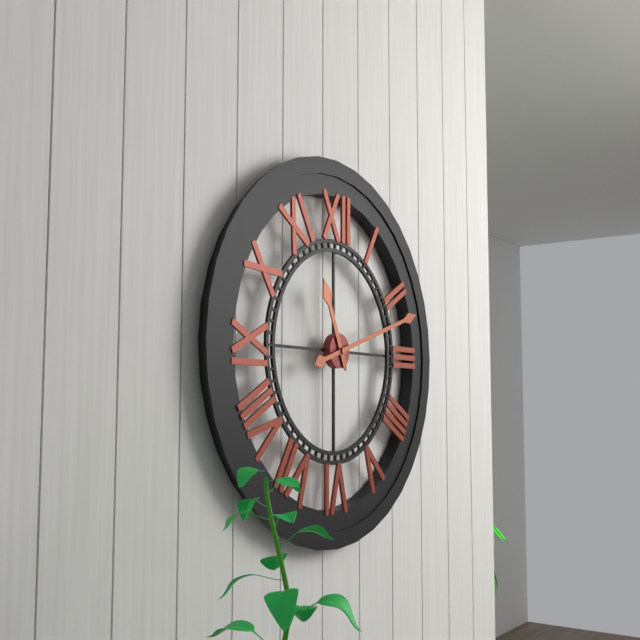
11:12
